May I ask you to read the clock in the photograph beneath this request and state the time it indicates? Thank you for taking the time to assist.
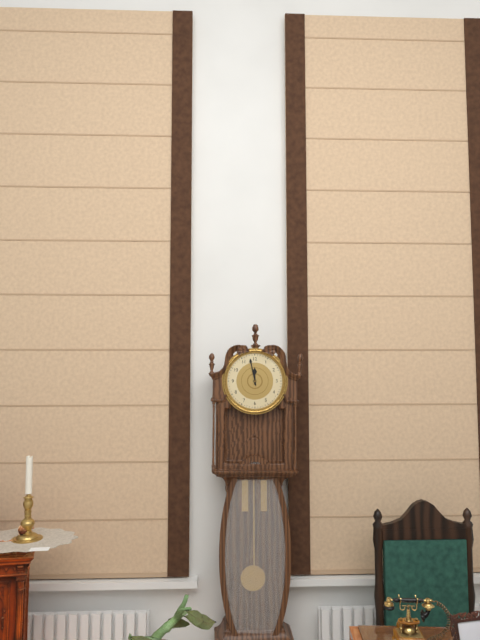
11:58
